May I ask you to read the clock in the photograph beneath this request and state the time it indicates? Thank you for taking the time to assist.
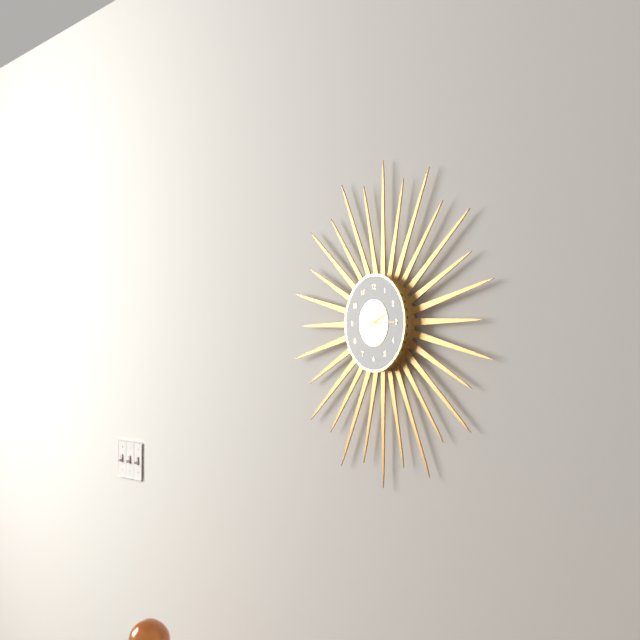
2:15
